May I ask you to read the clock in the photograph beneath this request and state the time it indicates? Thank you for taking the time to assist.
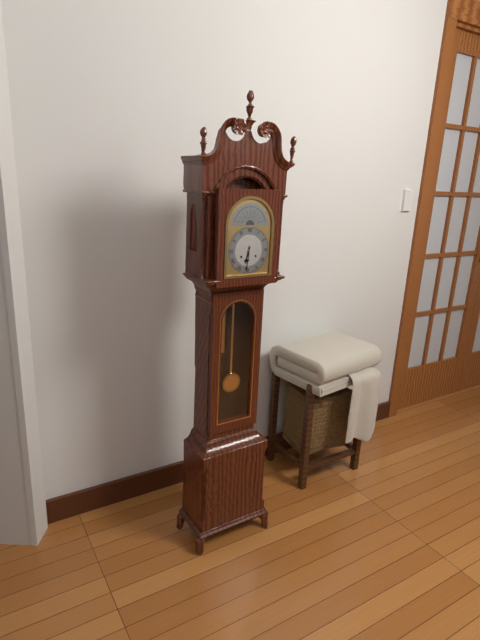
6:31
